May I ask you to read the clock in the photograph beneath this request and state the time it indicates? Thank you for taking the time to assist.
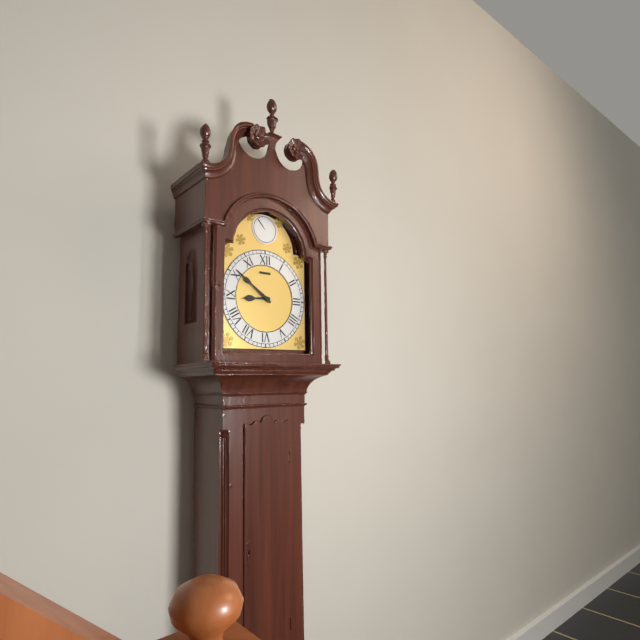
8:51
